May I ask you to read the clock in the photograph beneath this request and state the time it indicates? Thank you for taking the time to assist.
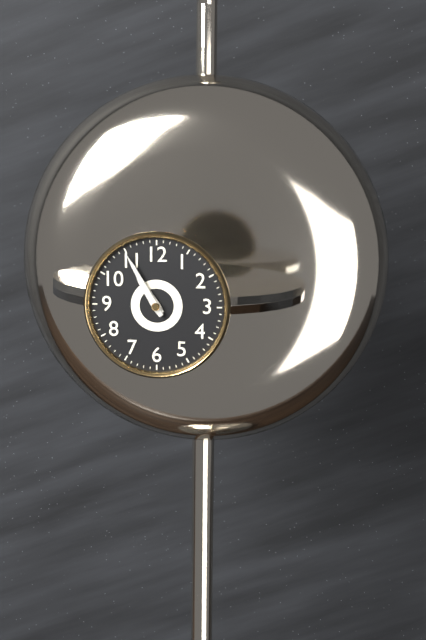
10:55
